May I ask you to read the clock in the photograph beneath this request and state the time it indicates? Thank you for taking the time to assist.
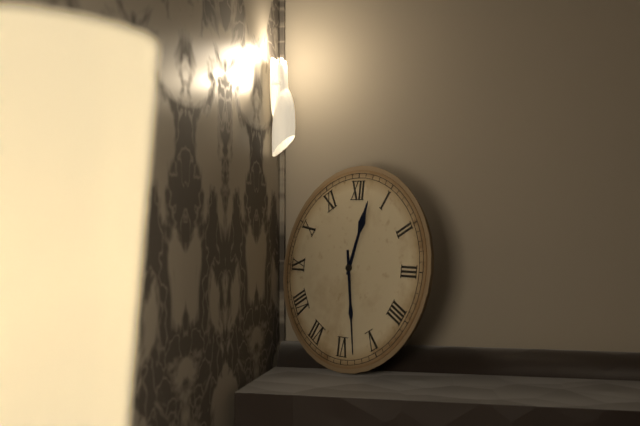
12:28
